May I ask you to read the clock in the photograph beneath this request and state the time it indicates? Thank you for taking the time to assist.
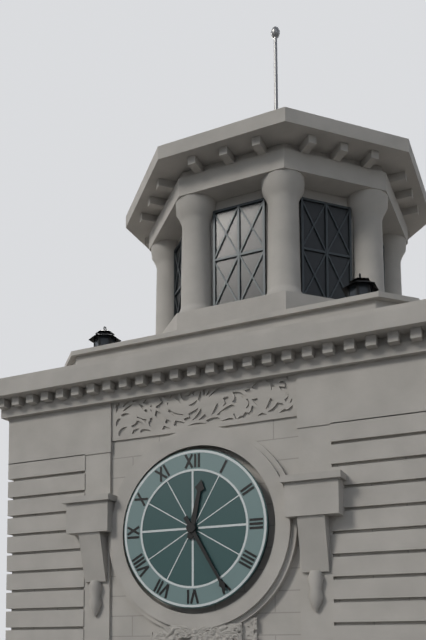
12:25
